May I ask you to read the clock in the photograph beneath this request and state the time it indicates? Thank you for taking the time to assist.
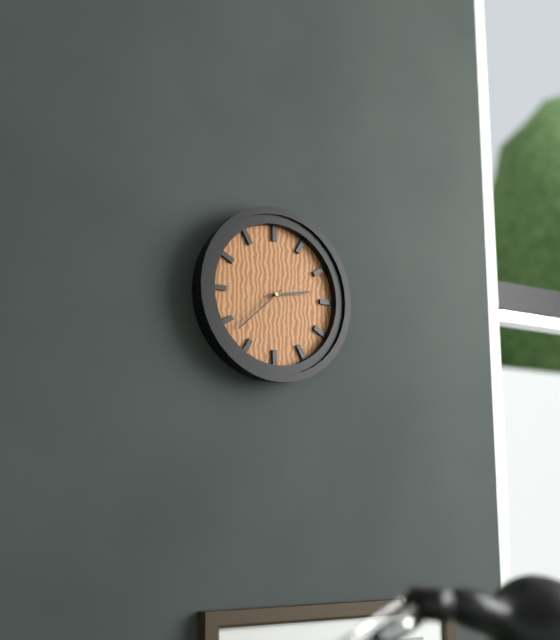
2:38
